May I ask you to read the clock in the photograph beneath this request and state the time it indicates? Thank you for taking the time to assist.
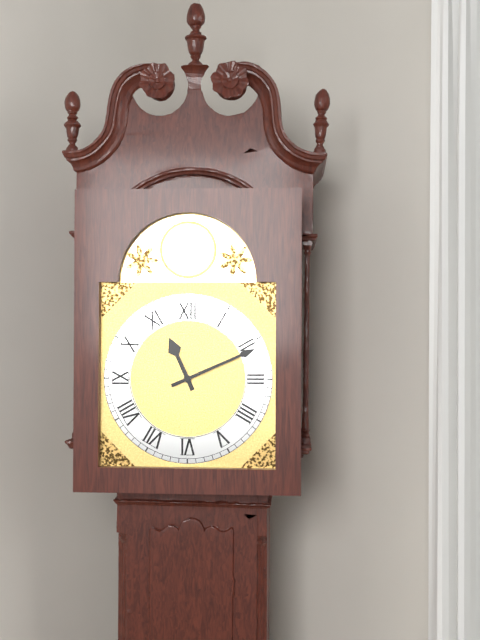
11:11
